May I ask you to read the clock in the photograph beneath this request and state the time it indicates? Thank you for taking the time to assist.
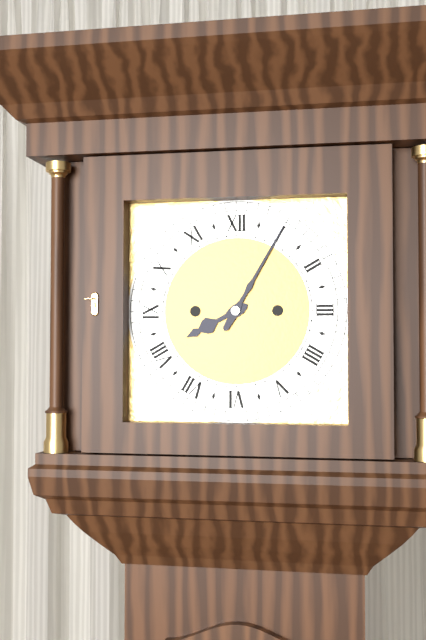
8:05
